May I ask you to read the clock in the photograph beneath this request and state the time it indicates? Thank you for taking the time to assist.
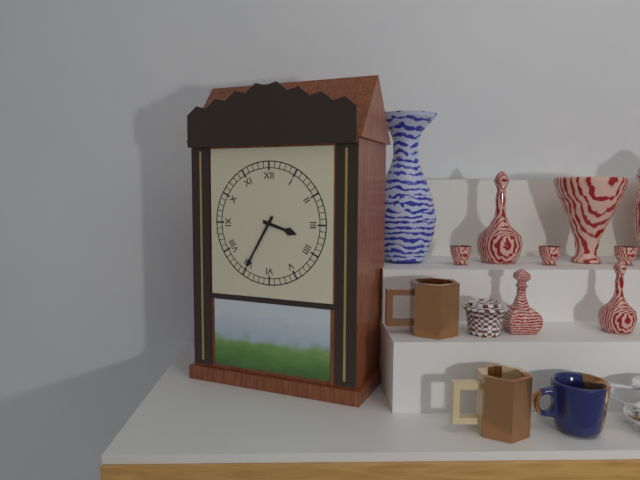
3:35
